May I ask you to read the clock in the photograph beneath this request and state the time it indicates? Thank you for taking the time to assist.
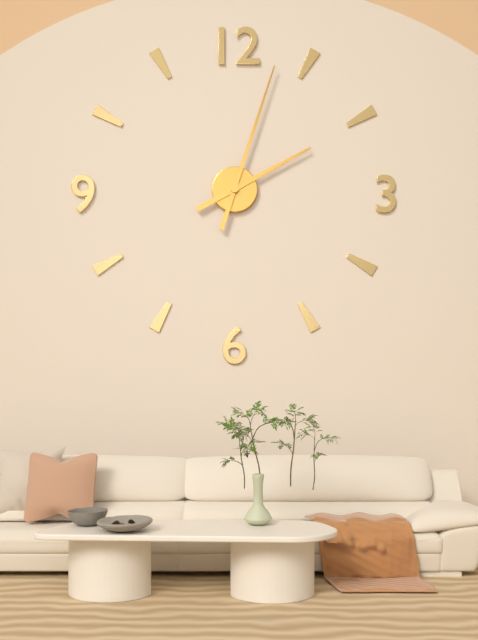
2:03
